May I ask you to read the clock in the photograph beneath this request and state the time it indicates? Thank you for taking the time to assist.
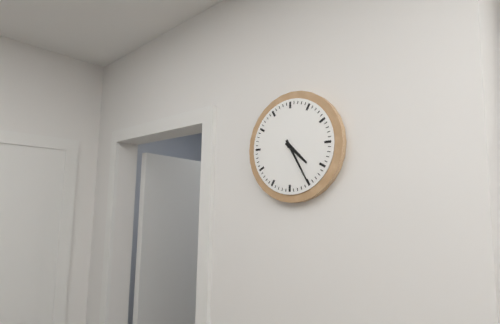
4:25
